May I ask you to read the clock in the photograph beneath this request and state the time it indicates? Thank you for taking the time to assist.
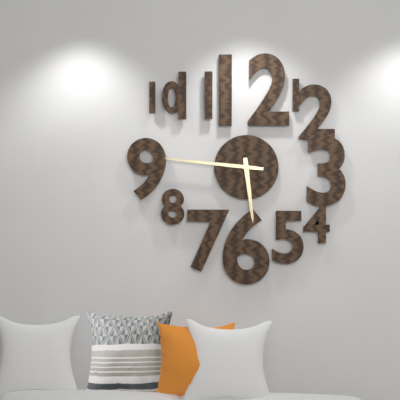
5:46
